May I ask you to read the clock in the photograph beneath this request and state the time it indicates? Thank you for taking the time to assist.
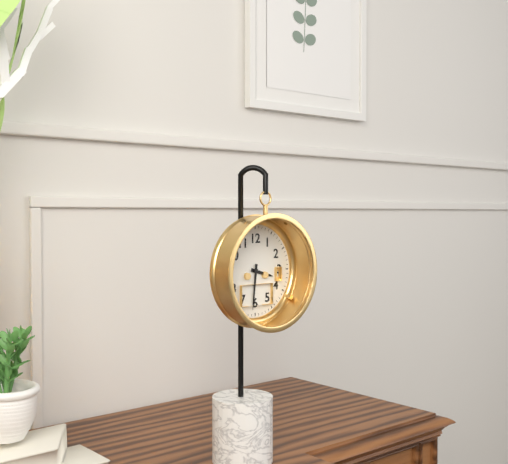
3:31
